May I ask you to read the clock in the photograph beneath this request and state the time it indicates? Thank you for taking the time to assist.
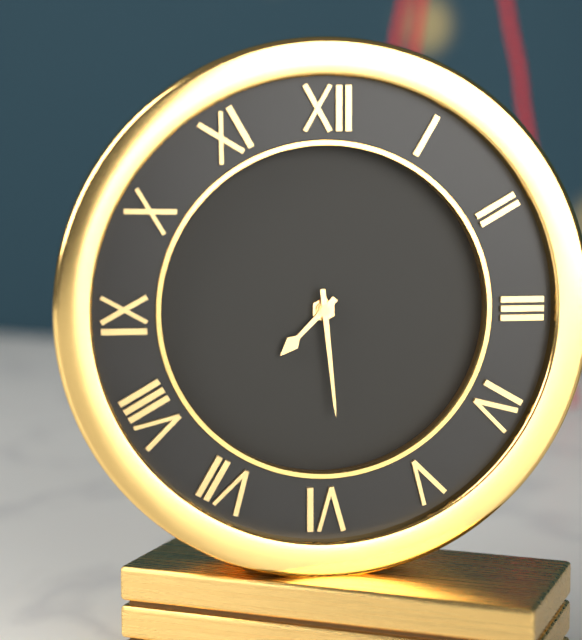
7:29
